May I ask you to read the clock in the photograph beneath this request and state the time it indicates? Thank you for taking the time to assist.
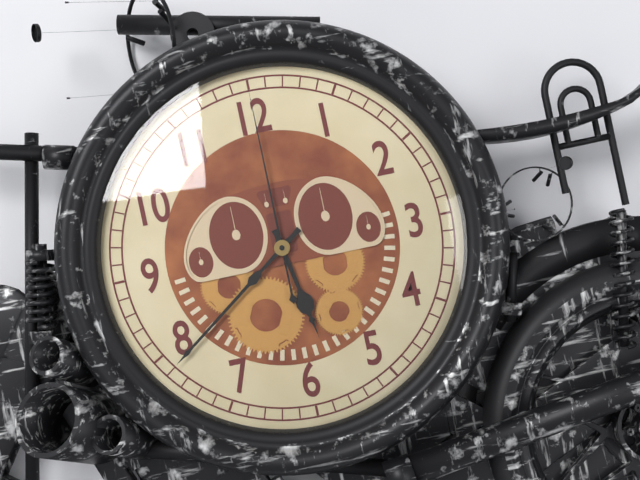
5:39:00
